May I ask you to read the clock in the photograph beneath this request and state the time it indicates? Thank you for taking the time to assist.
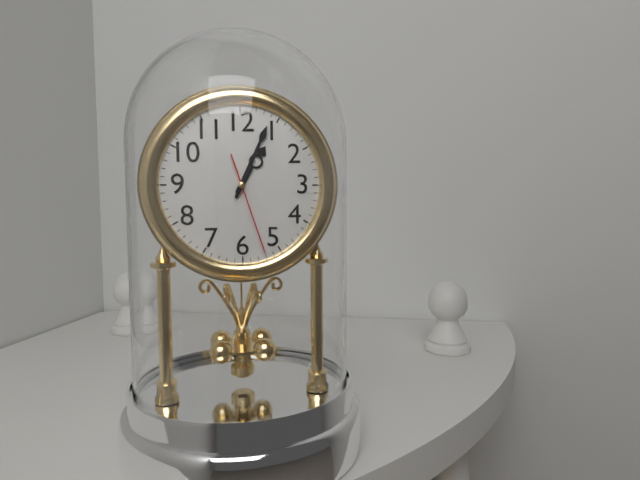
1:04:27
